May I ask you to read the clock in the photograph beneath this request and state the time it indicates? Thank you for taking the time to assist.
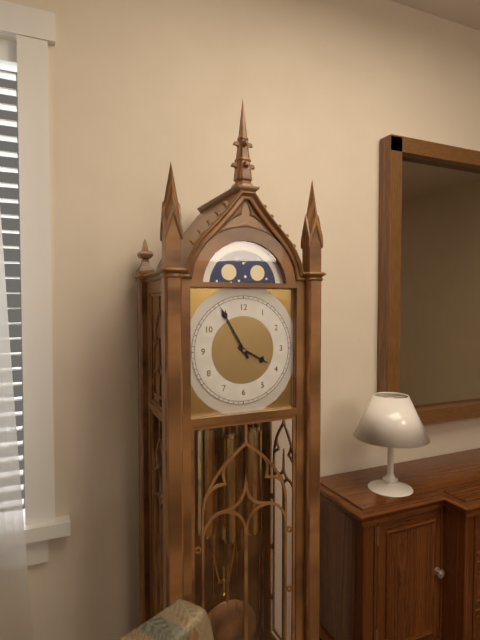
3:55
